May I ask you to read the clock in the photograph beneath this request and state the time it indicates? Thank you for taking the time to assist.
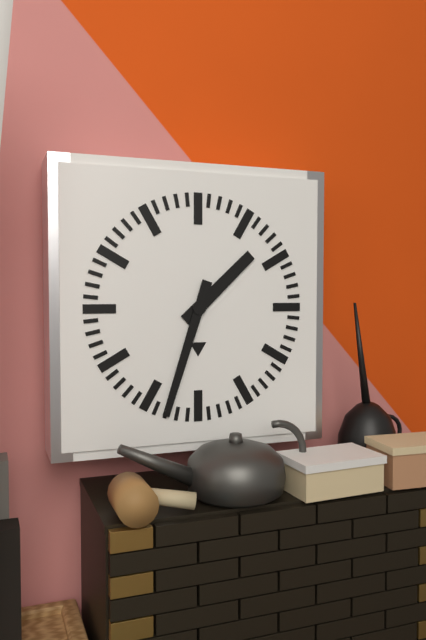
1:33
